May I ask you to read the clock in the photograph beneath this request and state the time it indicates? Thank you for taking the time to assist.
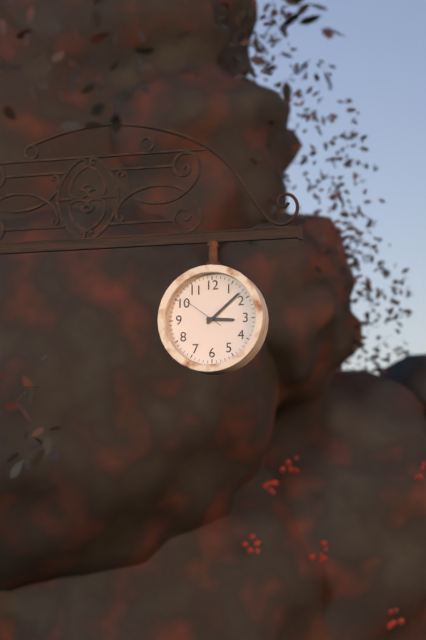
3:08
